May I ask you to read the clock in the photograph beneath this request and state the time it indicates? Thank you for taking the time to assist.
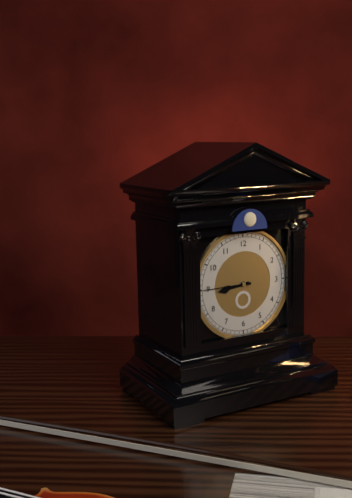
8:45
